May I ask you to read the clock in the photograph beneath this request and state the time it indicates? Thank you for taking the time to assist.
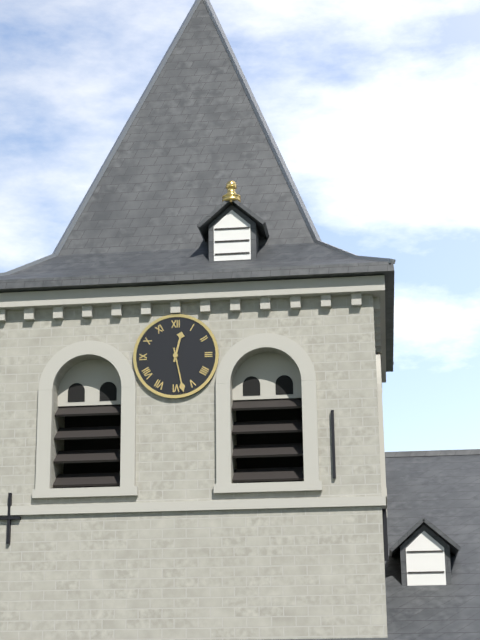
12:28
